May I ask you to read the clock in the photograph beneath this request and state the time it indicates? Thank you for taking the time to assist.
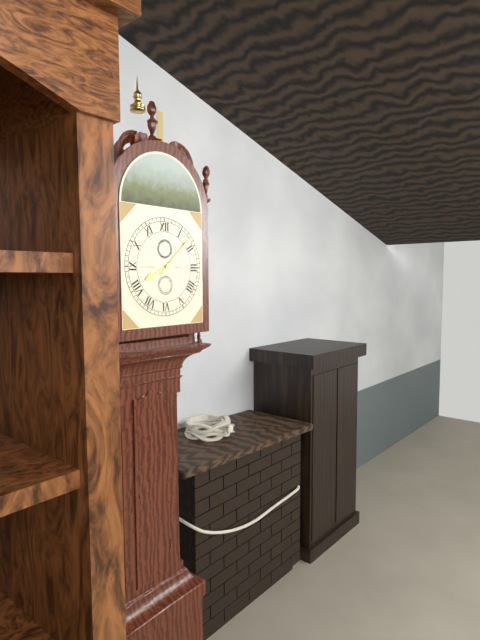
8:08
